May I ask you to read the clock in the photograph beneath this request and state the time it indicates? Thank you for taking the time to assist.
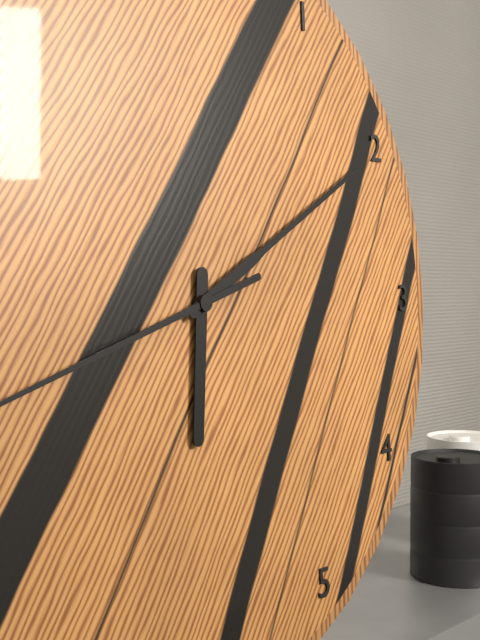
6:10
